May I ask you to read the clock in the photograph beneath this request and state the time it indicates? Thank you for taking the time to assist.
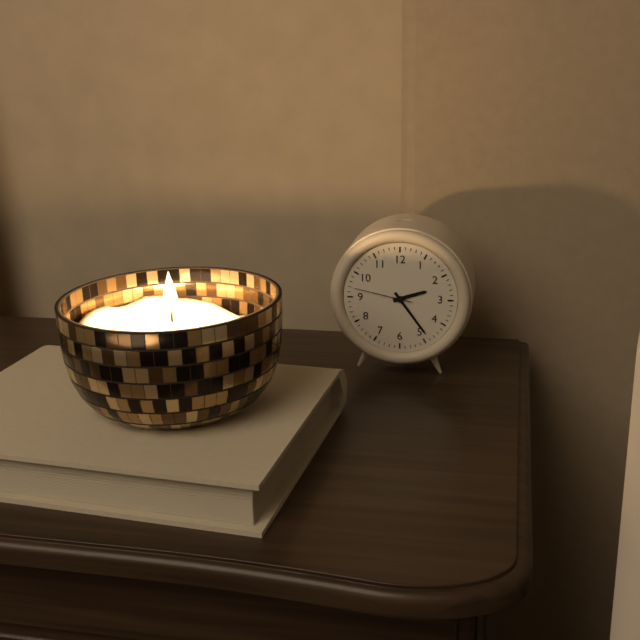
2:24:47
